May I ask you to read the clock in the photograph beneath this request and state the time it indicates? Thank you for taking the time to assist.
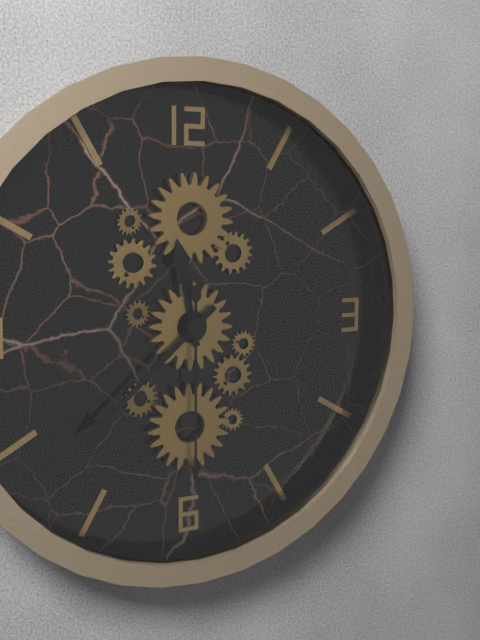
11:38:30
